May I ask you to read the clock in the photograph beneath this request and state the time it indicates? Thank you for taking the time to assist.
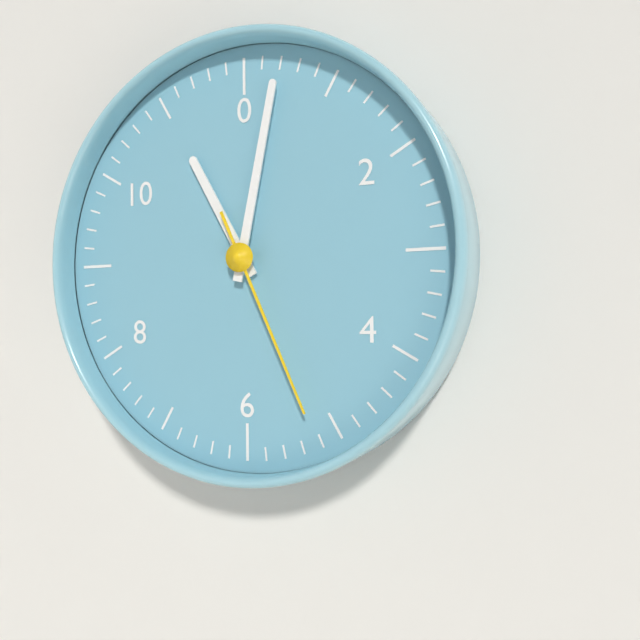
11:02:26
